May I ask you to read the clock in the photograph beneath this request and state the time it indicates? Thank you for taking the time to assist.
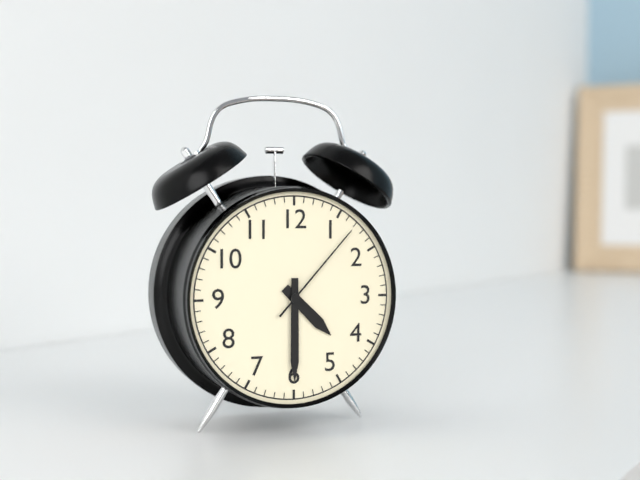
4:30:07
